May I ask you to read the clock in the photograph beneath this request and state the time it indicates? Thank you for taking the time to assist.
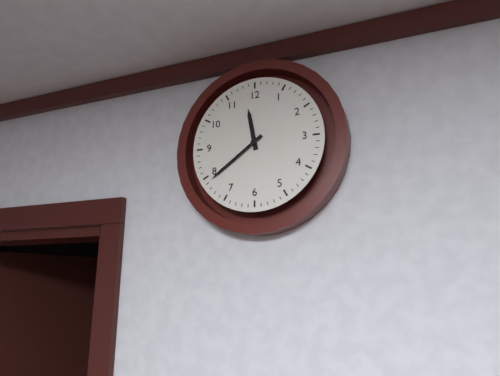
11:39
